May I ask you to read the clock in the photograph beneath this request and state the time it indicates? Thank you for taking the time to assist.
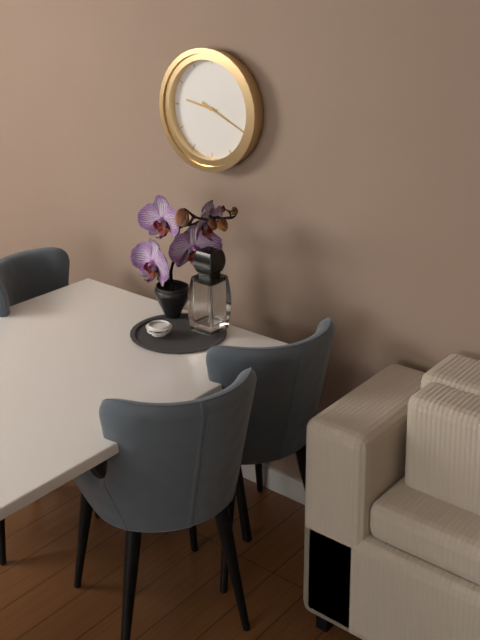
9:19
